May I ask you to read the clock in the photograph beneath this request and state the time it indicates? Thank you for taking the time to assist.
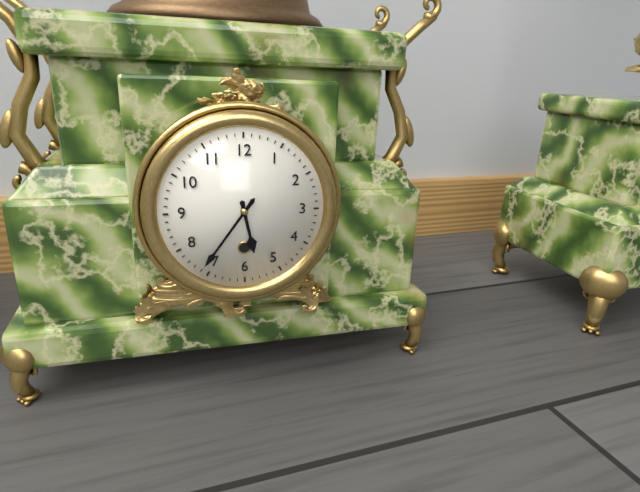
5:36
